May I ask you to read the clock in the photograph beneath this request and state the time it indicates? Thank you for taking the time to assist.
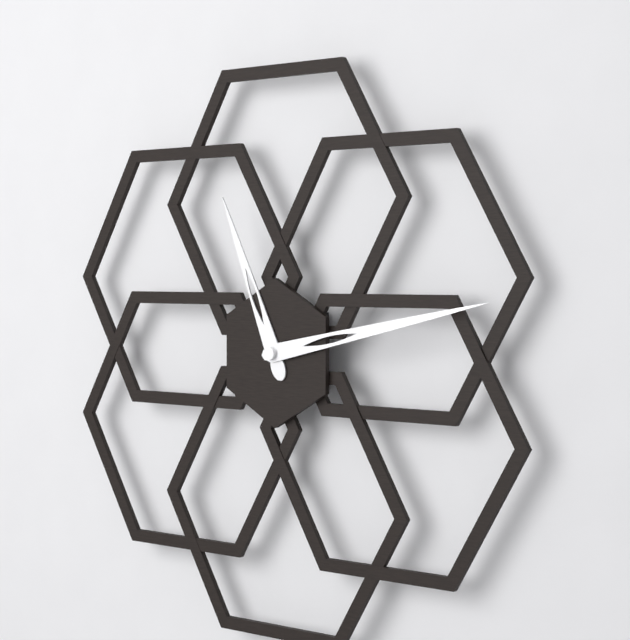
11:13
